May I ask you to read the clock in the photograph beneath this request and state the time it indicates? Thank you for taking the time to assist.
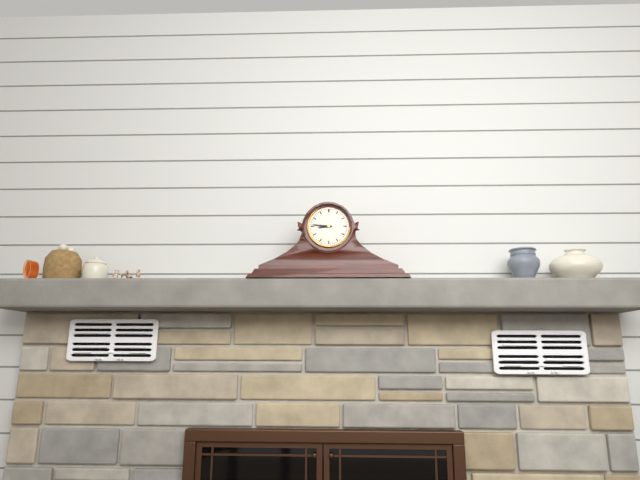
8:46
